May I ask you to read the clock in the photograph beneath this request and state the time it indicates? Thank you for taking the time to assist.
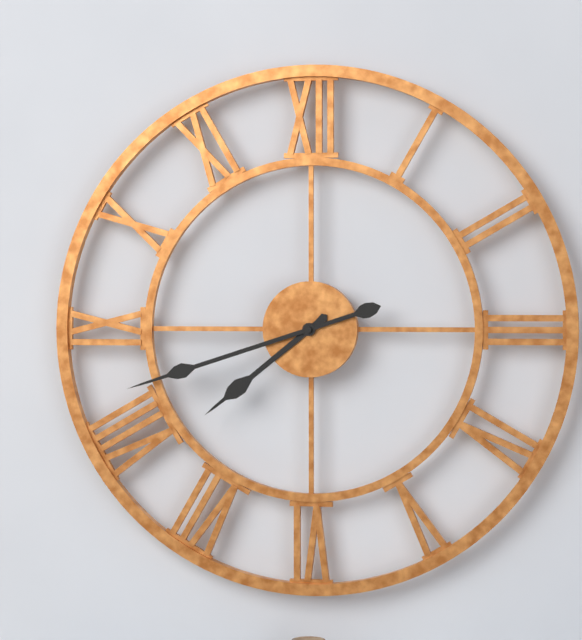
7:42
